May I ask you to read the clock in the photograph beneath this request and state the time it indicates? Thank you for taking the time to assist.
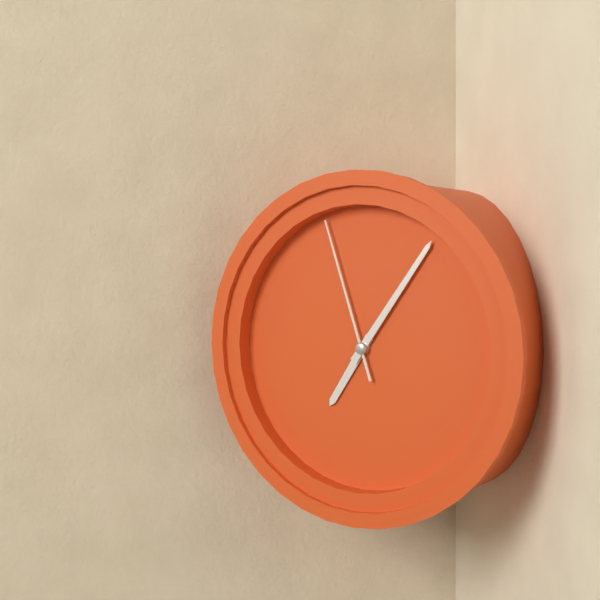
7:06:57
